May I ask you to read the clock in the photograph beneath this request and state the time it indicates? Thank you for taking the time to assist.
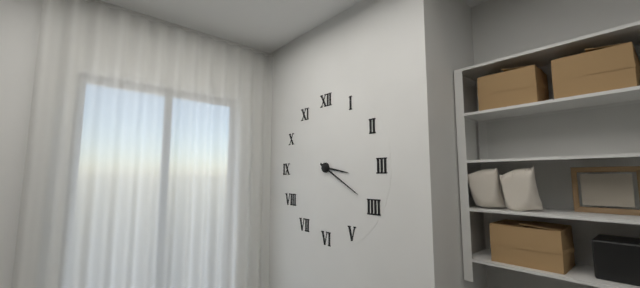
3:20
